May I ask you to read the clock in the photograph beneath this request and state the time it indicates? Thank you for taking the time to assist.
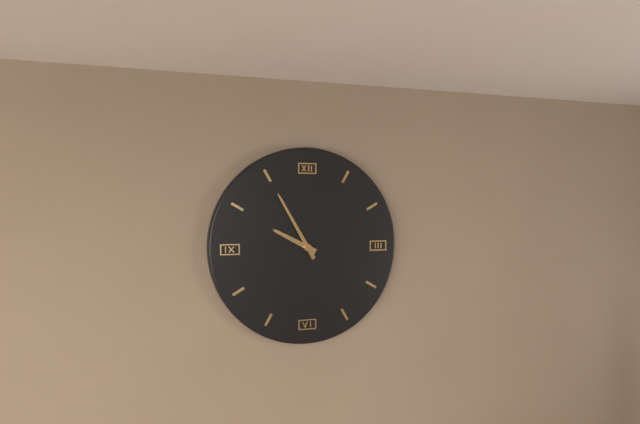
9:55
